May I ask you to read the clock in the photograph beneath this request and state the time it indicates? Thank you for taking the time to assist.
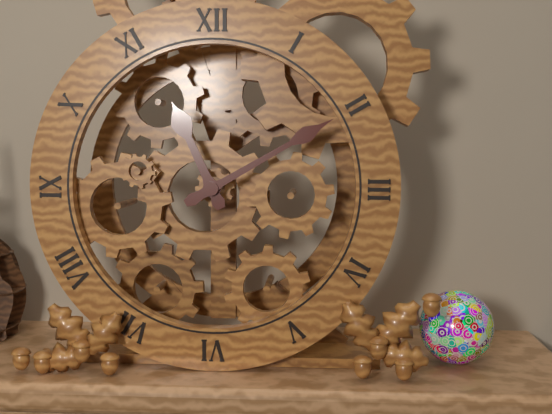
11:10
